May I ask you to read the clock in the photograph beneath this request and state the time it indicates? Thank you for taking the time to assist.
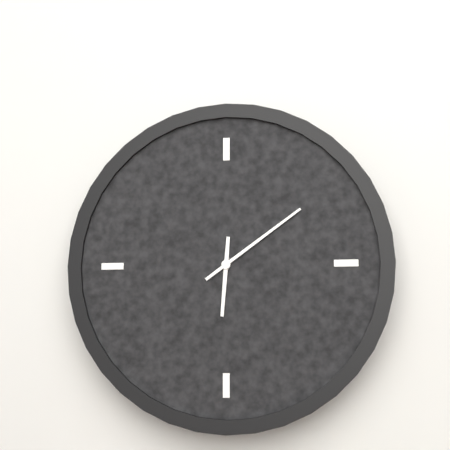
6:09
